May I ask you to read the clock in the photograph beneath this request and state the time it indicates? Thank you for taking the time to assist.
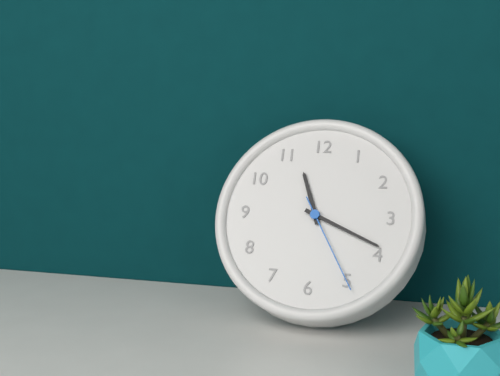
11:19:25
